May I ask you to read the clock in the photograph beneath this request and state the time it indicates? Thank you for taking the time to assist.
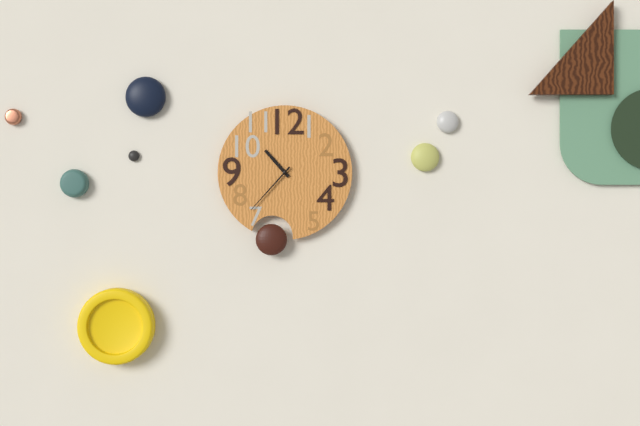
10:37
